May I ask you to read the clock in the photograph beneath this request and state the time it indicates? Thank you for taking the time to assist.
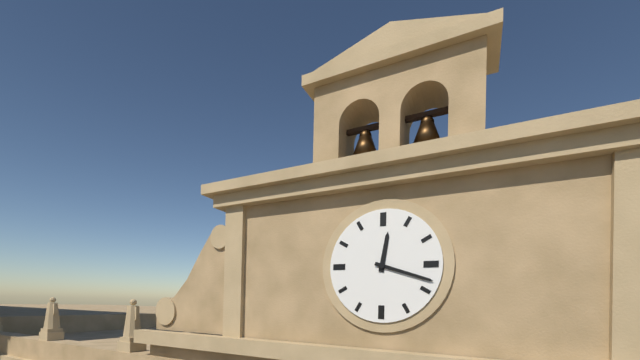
12:18
